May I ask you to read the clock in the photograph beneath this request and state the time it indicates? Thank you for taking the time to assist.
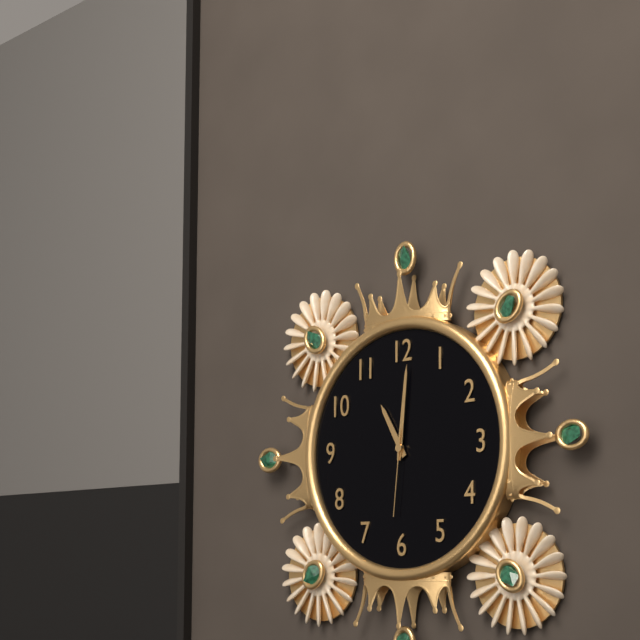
11:01:31
